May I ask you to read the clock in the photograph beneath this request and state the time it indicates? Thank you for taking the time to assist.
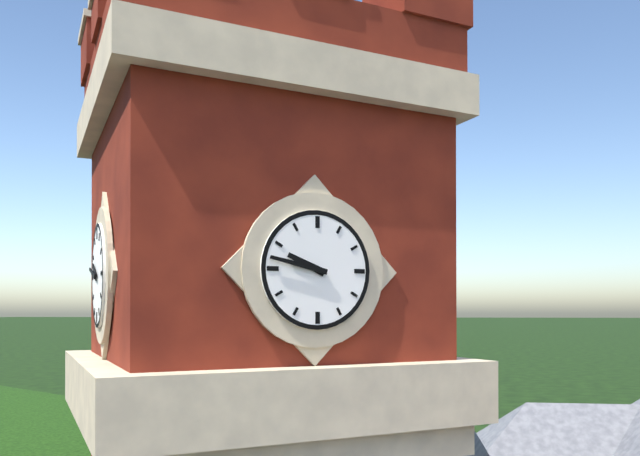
9:47
